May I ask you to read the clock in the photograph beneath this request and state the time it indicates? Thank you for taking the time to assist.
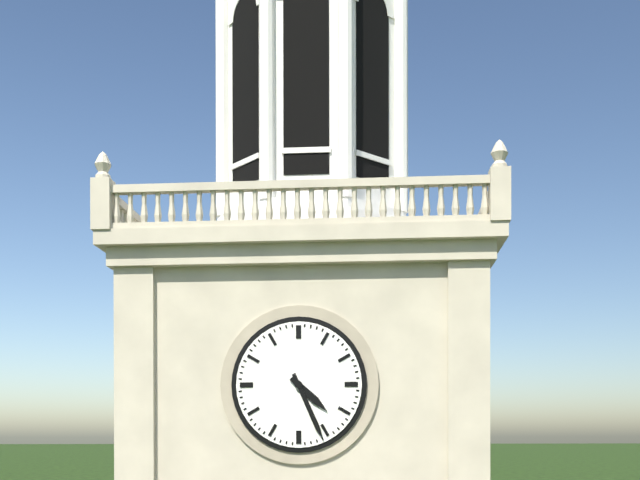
4:26
